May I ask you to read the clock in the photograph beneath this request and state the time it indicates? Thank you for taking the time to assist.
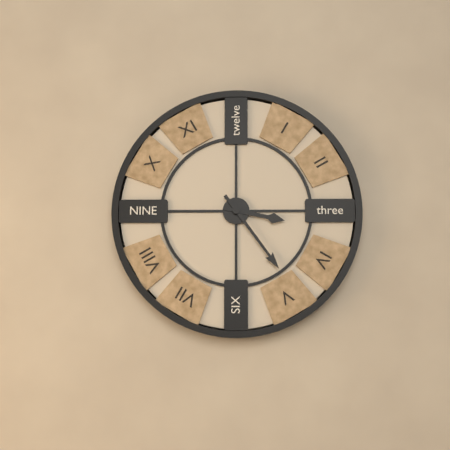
3:24
